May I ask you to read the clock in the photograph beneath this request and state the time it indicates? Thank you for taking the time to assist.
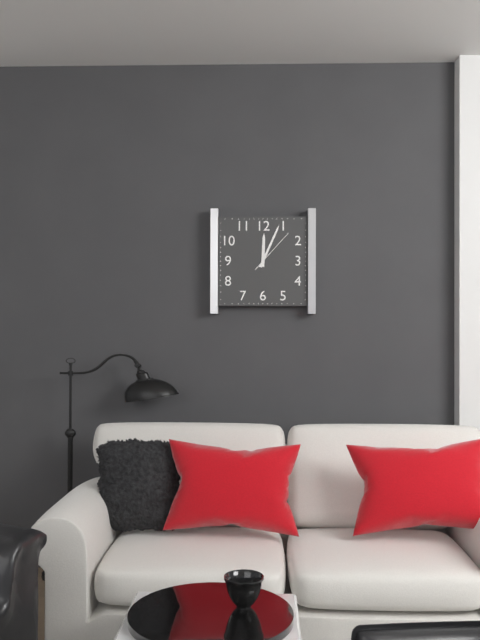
12:04
